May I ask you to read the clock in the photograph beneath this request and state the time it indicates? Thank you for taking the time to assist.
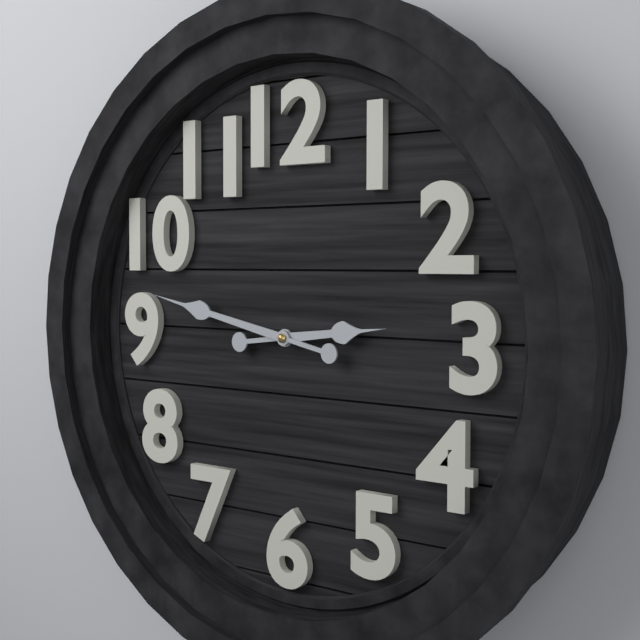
2:47
